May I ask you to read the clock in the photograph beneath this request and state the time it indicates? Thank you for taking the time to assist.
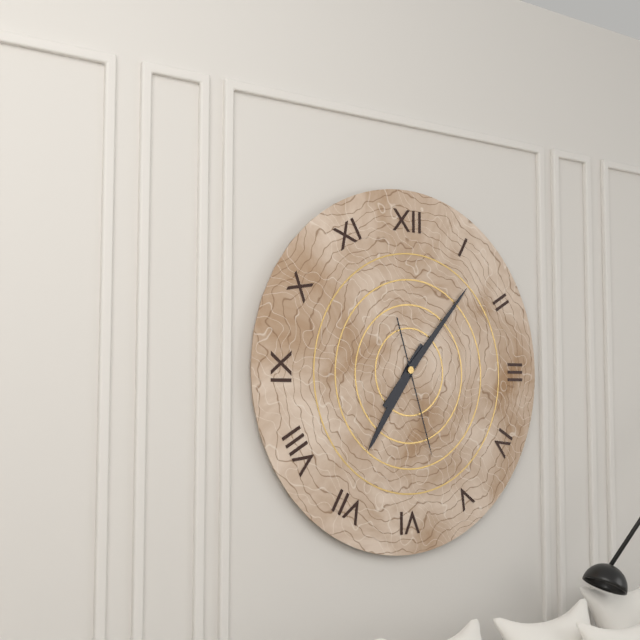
7:07:27
